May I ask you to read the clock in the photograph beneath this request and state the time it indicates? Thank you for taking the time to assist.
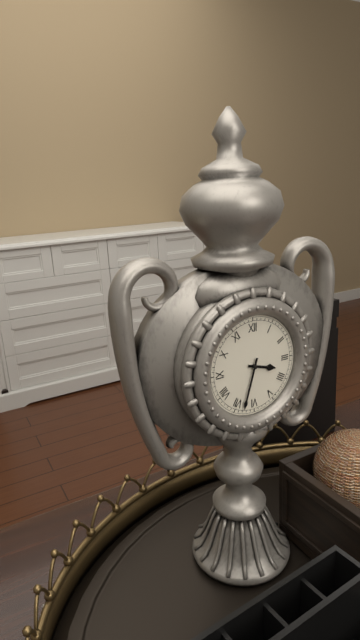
3:33
